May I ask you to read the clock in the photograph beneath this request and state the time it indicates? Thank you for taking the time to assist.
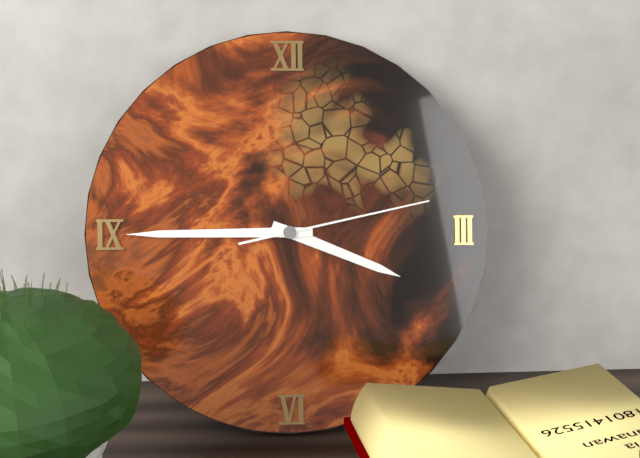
3:45:13
